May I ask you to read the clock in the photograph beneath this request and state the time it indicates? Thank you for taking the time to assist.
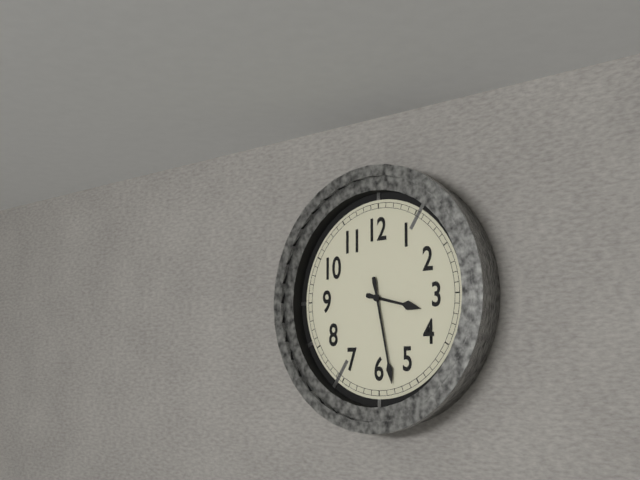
3:28
